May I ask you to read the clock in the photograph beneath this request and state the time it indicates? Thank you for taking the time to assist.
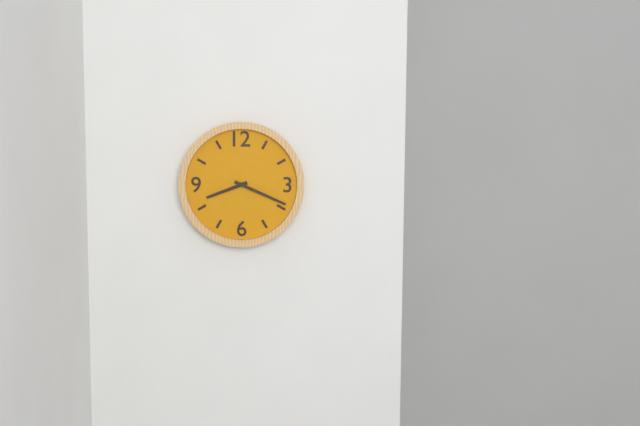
8:19
